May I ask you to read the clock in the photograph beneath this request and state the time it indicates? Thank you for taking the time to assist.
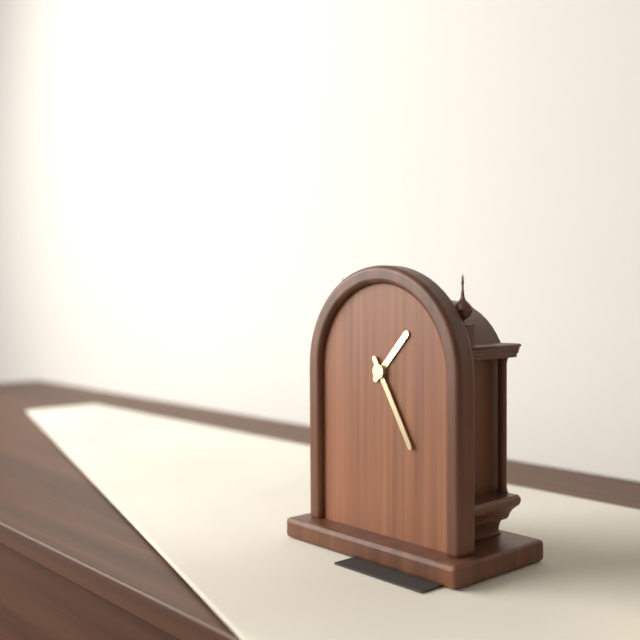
1:25
